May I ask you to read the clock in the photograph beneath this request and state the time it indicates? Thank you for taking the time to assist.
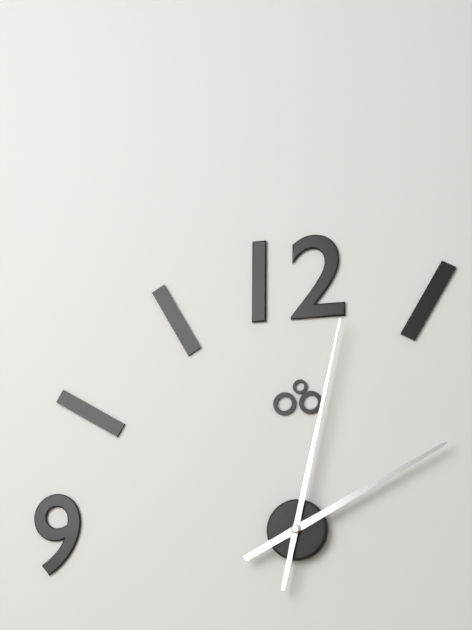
2:02
